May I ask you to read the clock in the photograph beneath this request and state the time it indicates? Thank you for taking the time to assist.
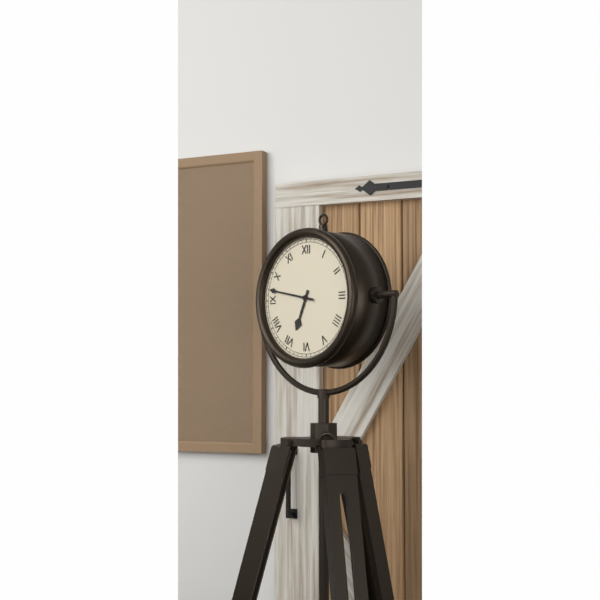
6:47
